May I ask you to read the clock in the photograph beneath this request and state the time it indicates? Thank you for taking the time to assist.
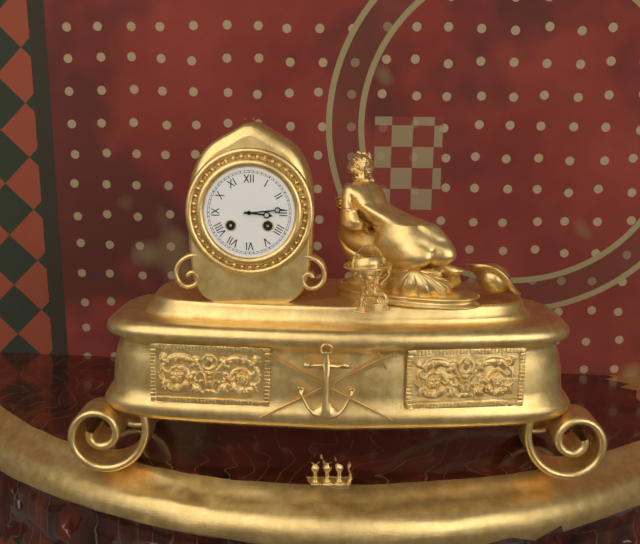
3:14
